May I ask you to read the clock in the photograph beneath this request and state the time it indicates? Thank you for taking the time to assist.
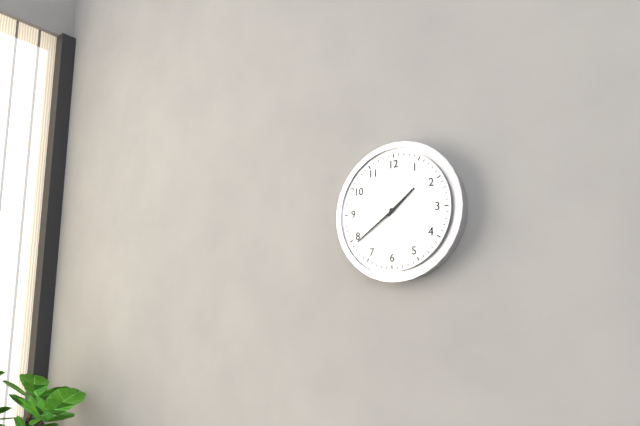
1:39
